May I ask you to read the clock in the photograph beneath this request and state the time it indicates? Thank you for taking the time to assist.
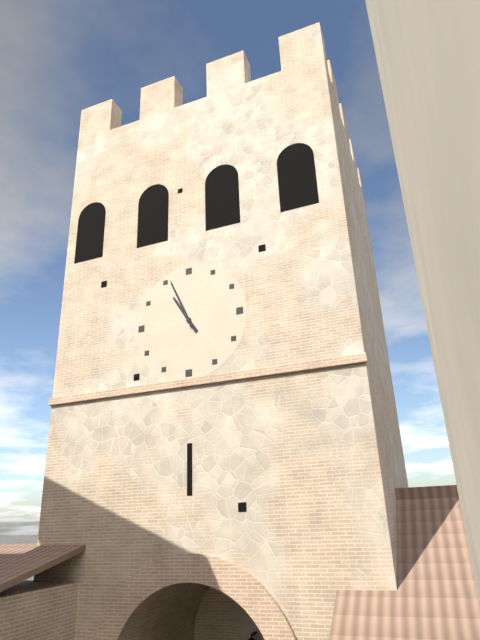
10:56
